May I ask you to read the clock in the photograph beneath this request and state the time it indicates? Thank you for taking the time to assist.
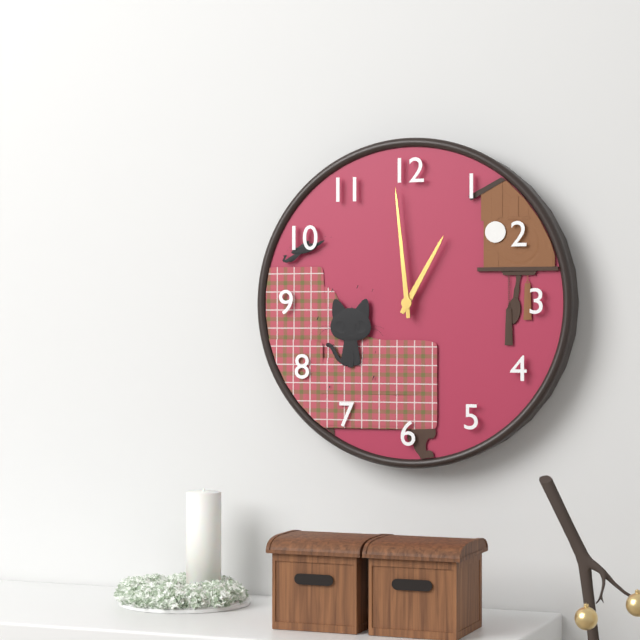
12:59
